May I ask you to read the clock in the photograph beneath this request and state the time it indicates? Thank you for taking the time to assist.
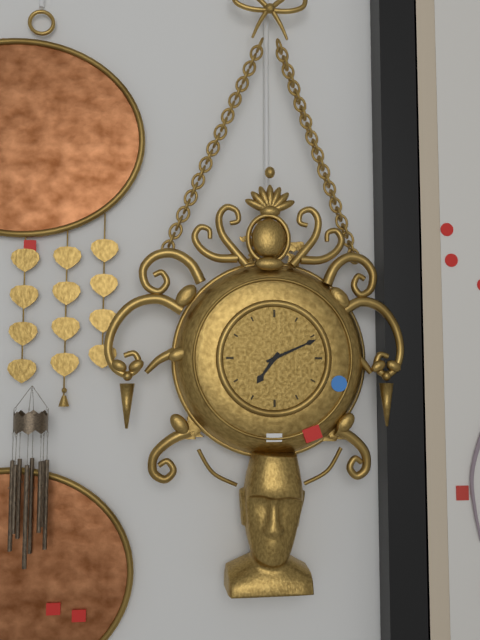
7:11
